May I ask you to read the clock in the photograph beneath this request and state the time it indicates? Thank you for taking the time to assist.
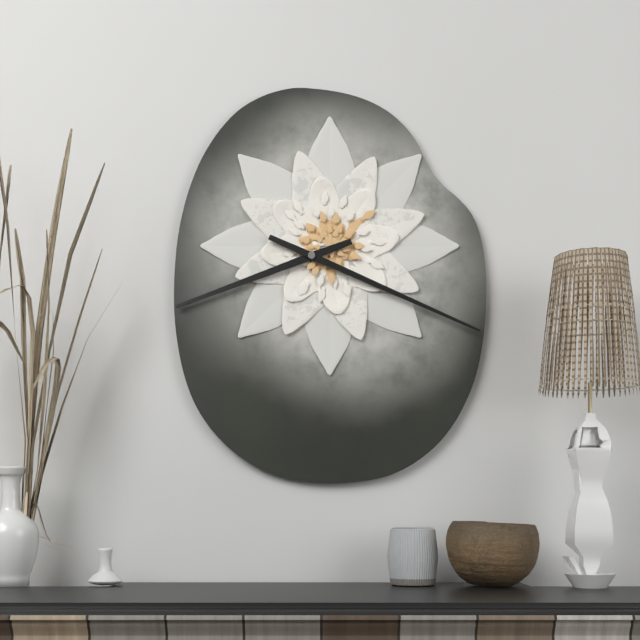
8:19
